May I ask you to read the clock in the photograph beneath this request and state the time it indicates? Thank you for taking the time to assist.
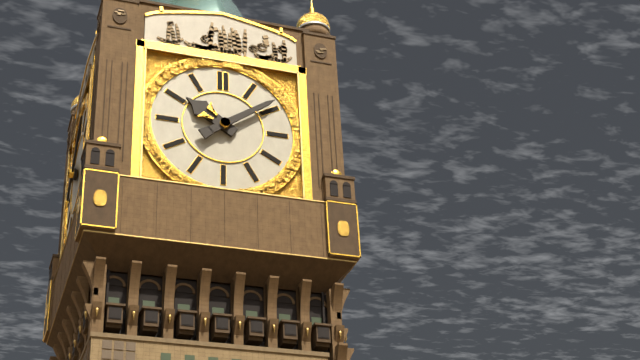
10:09
